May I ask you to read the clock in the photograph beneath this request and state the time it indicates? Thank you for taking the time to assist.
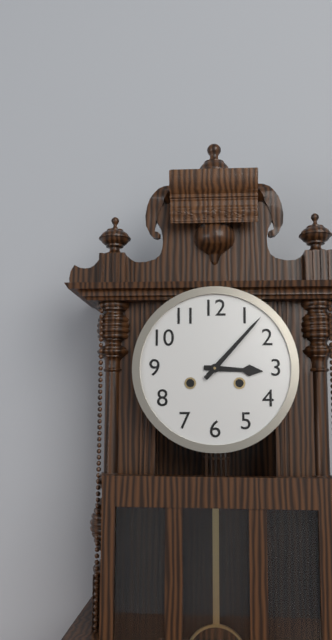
3:07
